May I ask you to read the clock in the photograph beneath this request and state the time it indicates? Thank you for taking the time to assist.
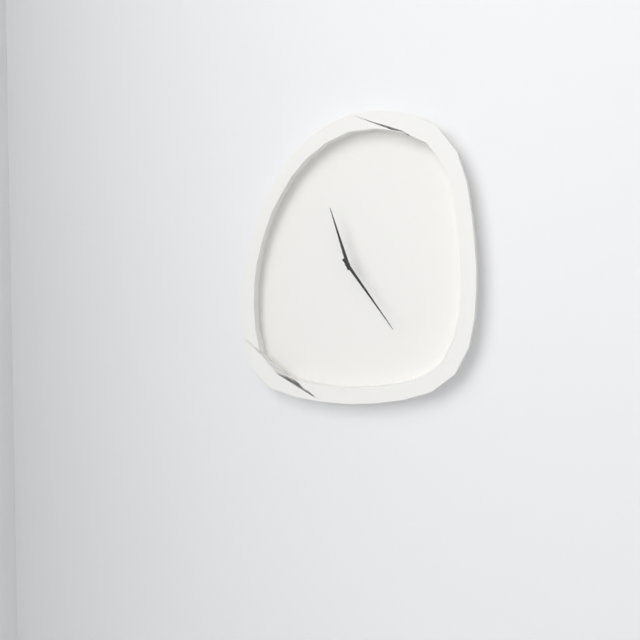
11:24
